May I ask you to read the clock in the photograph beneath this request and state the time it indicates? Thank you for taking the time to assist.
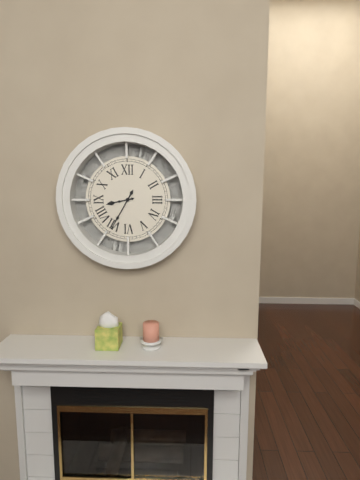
8:35
